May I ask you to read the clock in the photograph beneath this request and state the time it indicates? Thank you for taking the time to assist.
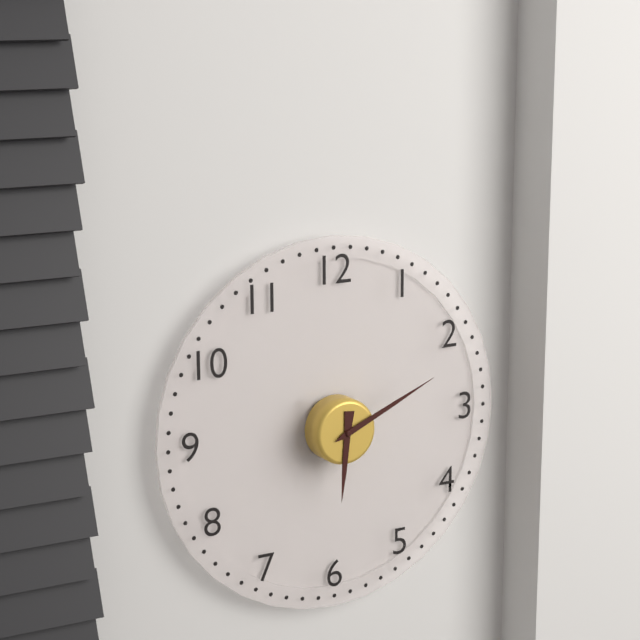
6:11
